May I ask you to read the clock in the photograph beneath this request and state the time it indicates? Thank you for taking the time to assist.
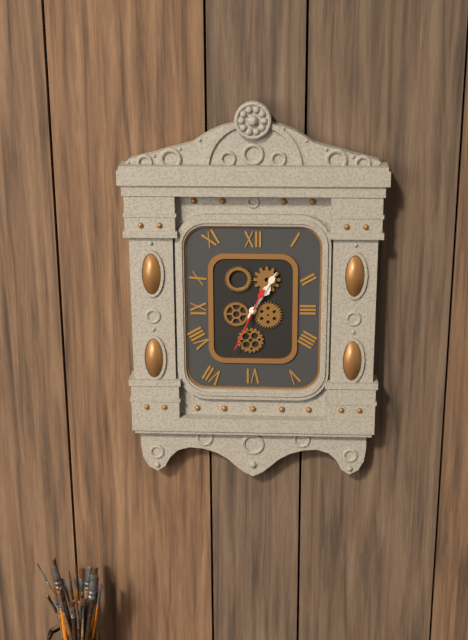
1:05:34
